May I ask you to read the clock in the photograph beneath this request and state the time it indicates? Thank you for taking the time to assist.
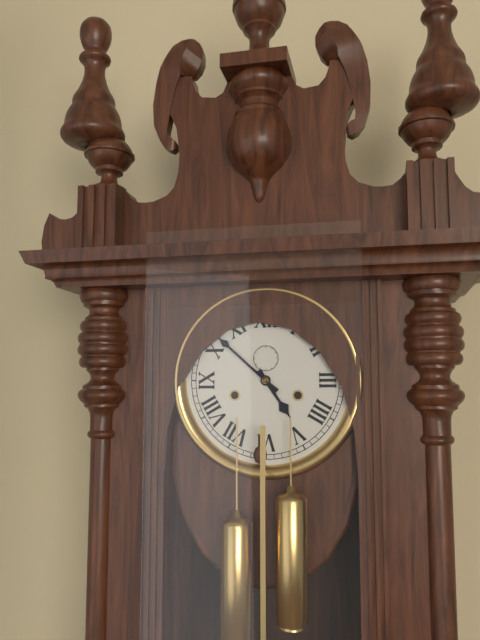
4:52
